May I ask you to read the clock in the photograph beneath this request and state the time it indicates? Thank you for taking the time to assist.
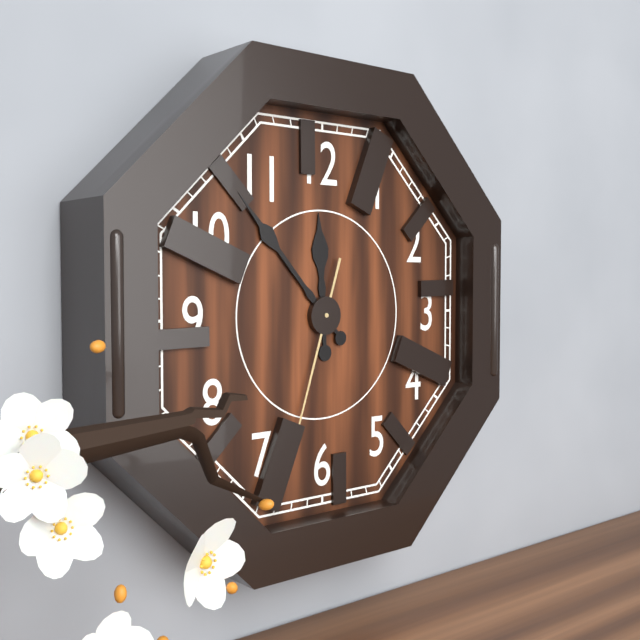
11:53
